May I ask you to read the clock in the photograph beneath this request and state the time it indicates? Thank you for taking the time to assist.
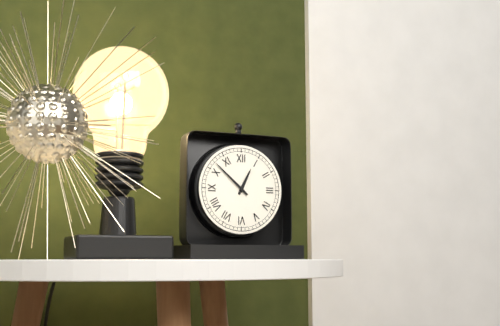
12:52
